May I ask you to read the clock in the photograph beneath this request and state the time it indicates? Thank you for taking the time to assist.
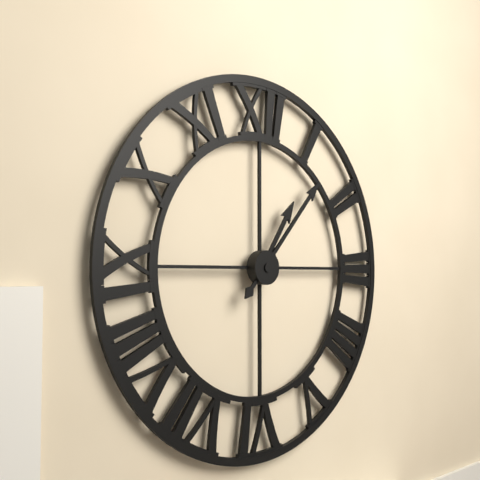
1:07
